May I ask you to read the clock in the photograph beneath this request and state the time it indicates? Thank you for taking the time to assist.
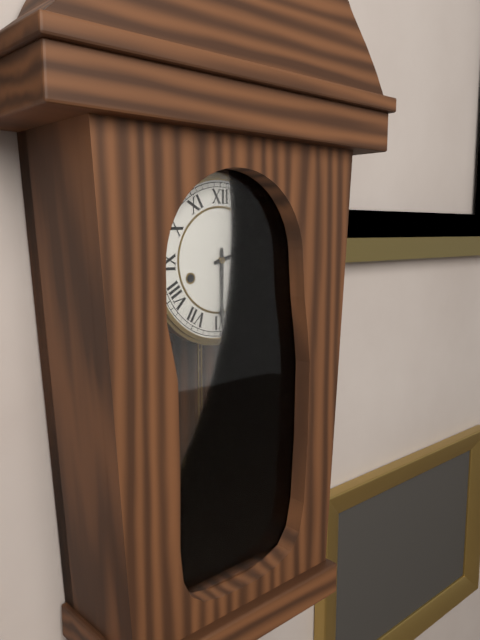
2:30
